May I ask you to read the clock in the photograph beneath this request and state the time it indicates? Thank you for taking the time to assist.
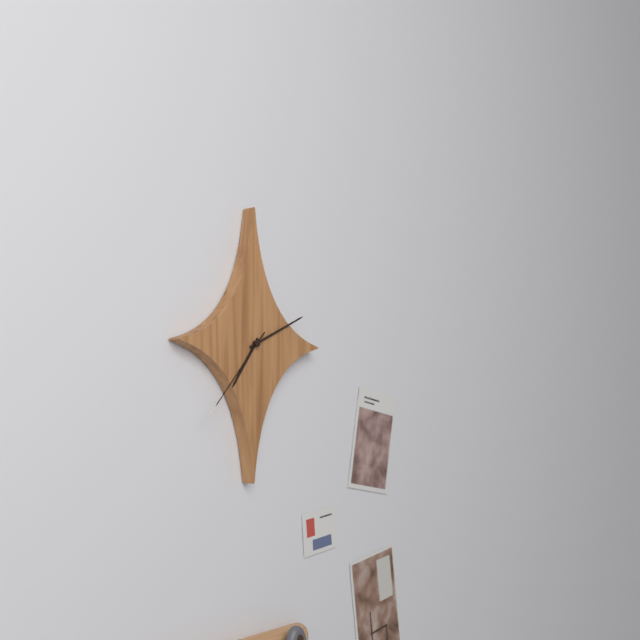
7:11:37
